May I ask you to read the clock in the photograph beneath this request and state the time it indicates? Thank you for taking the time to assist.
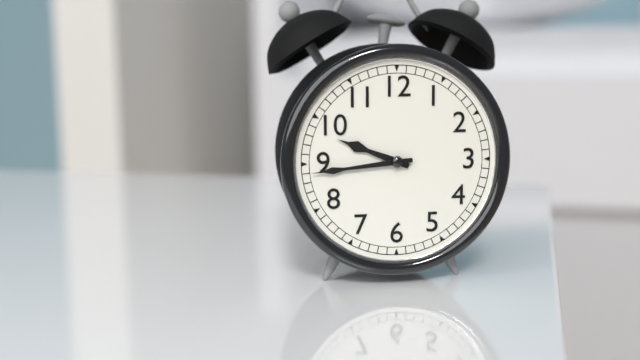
9:44
